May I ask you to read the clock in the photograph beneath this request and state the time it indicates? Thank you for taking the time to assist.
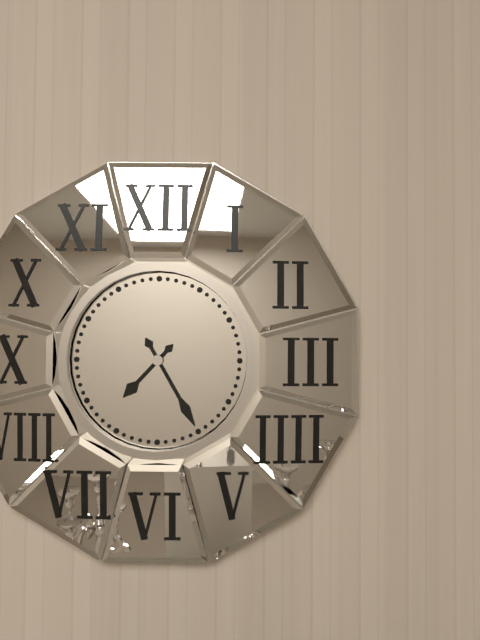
7:25
